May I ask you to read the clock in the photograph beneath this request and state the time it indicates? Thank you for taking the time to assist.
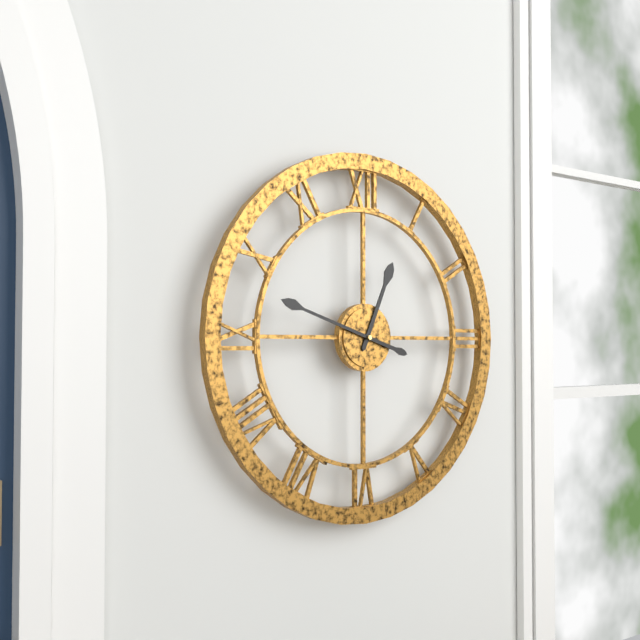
12:48
